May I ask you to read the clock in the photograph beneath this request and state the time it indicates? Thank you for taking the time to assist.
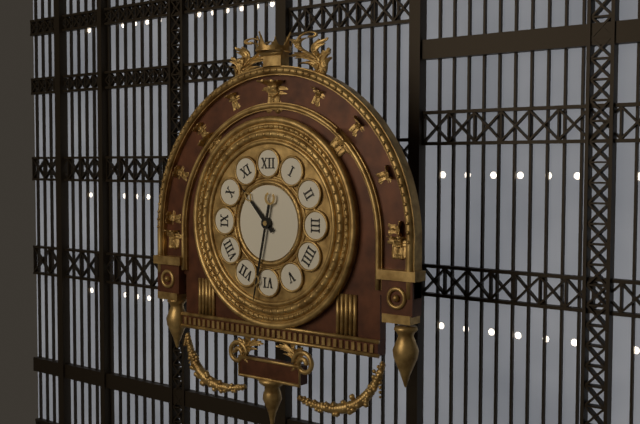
10:32
